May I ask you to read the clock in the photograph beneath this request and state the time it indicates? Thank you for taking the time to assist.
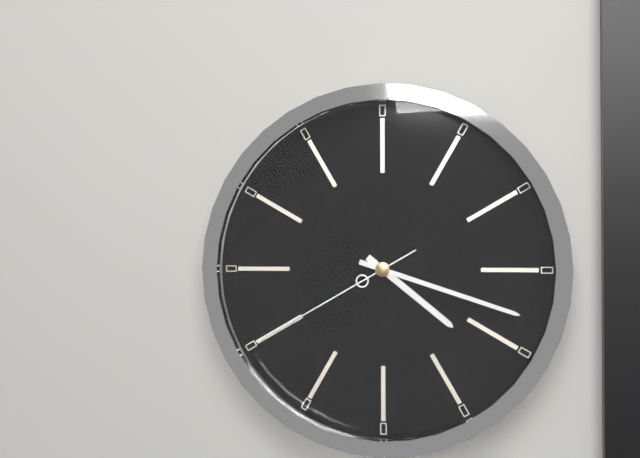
4:18:40
